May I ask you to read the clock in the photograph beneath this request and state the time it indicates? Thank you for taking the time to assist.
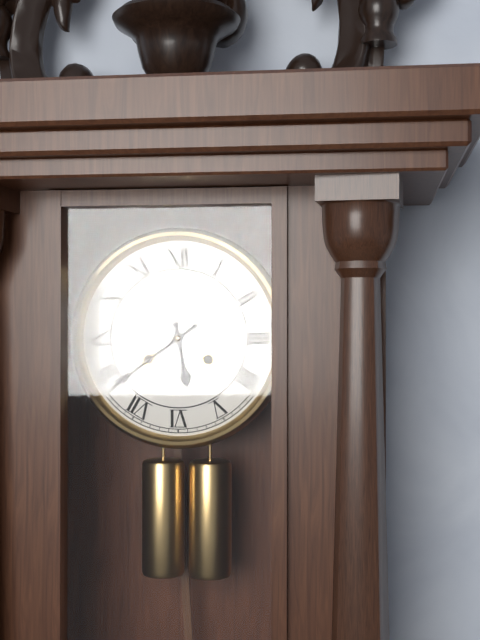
5:39
